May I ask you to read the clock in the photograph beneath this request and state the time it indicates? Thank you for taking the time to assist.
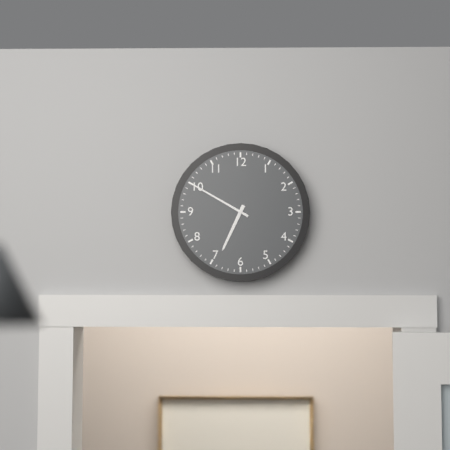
6:50
